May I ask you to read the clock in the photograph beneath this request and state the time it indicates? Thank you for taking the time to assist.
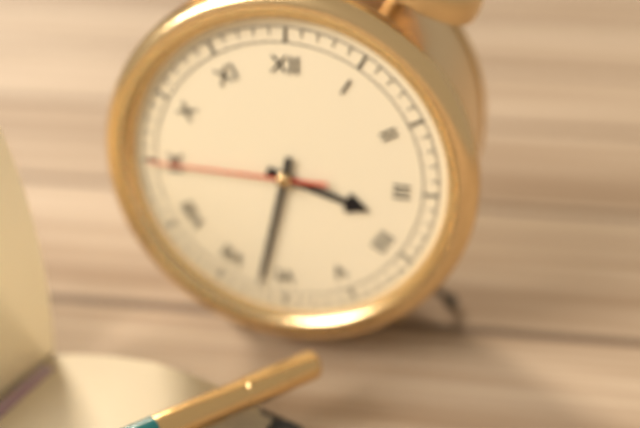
3:32:45
